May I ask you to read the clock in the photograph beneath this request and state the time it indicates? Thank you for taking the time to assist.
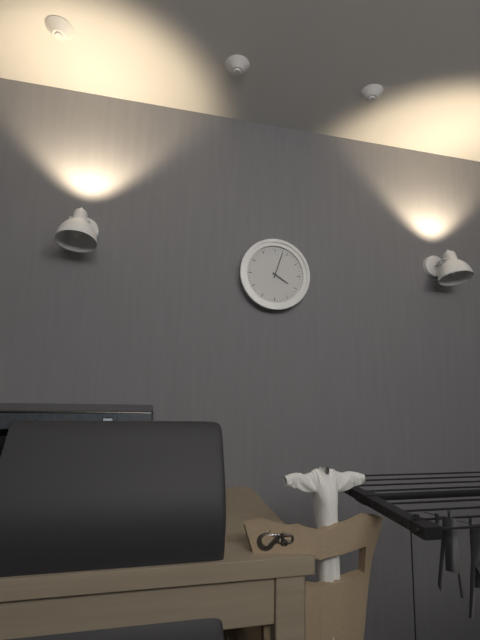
4:03
